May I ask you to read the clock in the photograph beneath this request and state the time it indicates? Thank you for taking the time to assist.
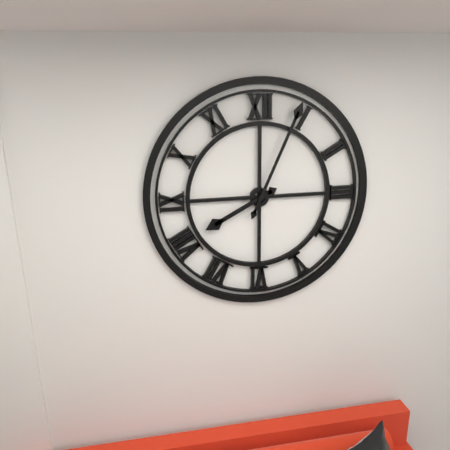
8:04
